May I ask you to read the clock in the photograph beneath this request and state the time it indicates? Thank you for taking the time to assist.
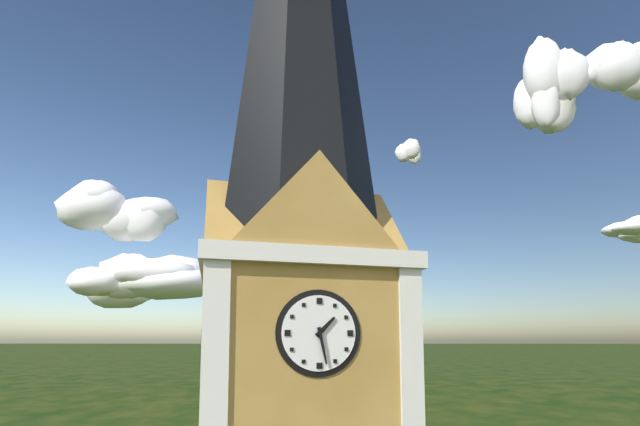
1:28
